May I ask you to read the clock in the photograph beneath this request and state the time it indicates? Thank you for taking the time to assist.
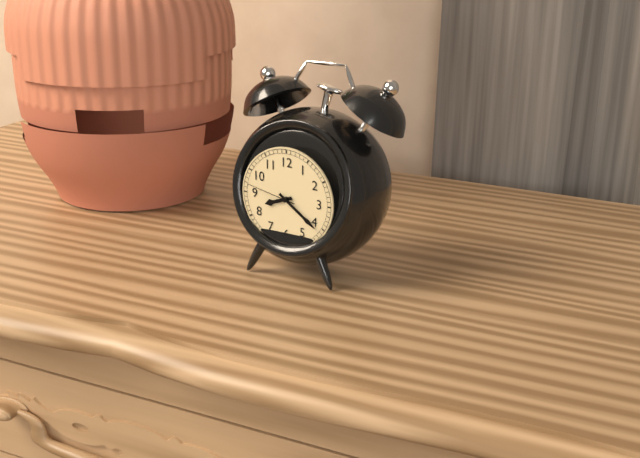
8:21:47
